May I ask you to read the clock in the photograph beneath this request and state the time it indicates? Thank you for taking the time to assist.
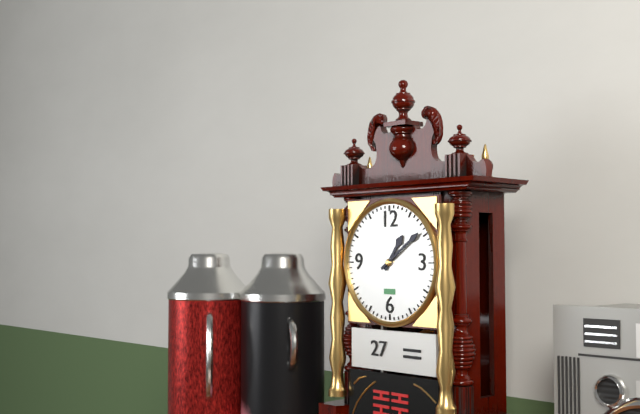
1:09
